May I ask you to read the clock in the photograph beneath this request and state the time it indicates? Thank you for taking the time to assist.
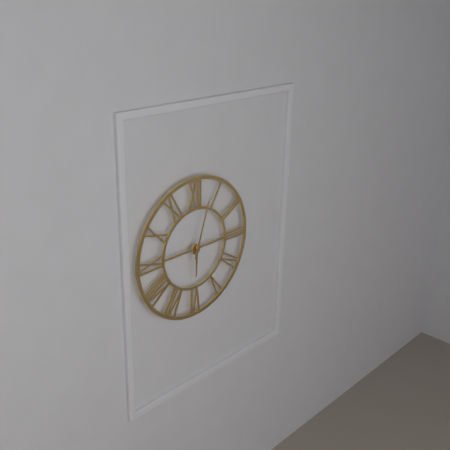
6:03
